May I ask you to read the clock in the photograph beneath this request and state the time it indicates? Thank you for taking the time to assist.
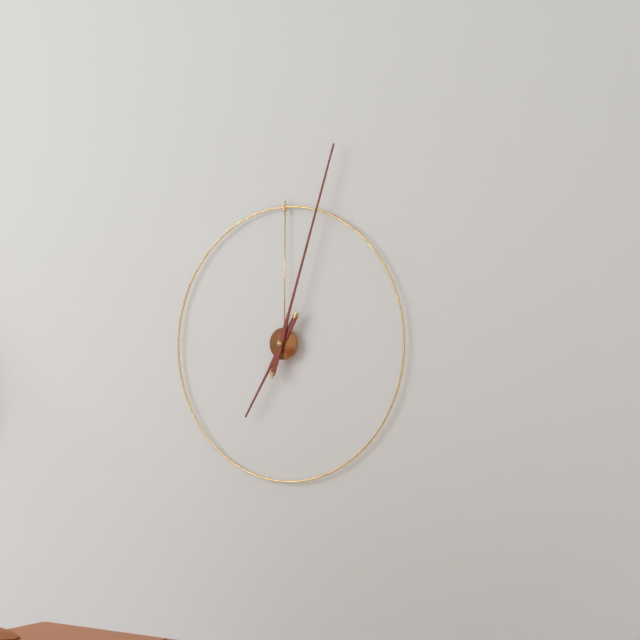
7:03
